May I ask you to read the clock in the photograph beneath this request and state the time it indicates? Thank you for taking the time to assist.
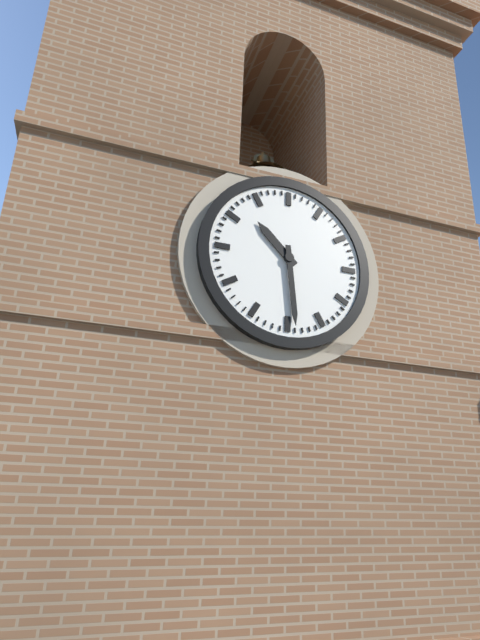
10:29
